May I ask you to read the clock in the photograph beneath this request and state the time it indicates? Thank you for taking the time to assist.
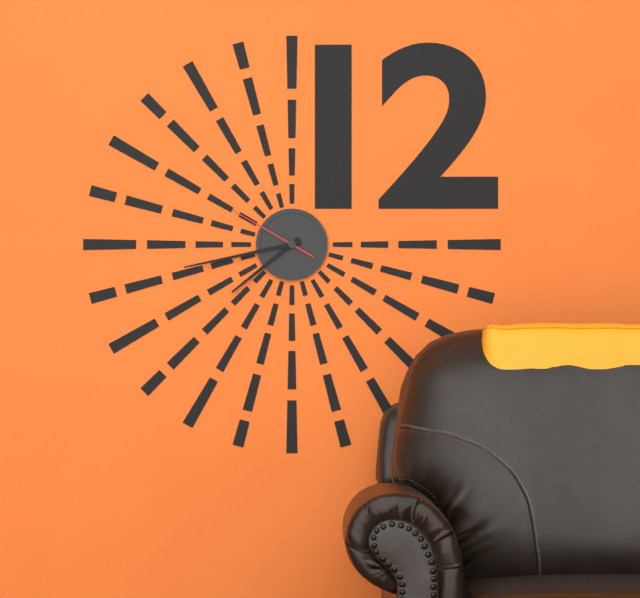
7:43:50
